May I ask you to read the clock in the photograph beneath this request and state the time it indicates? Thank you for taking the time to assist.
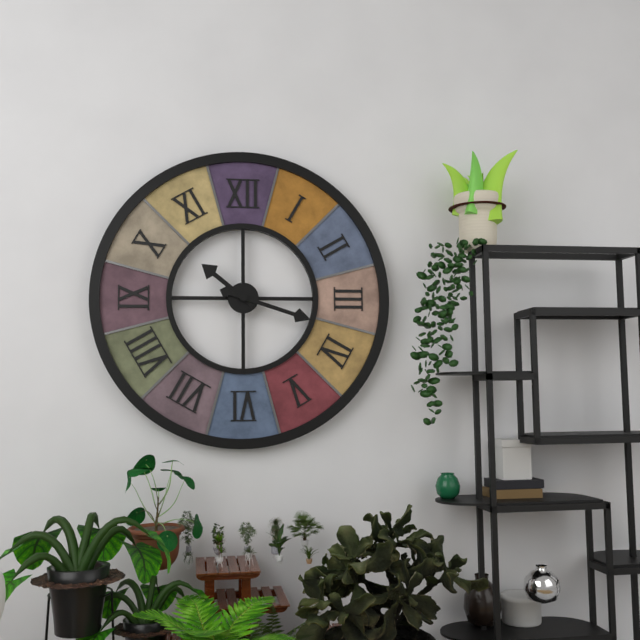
10:18
